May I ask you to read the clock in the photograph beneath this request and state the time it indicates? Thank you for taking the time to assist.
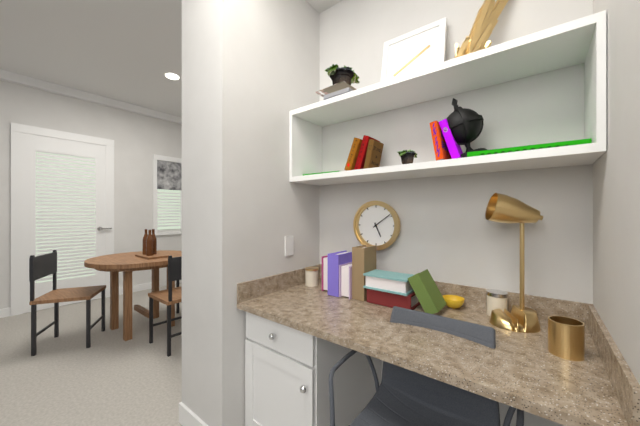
5:09
